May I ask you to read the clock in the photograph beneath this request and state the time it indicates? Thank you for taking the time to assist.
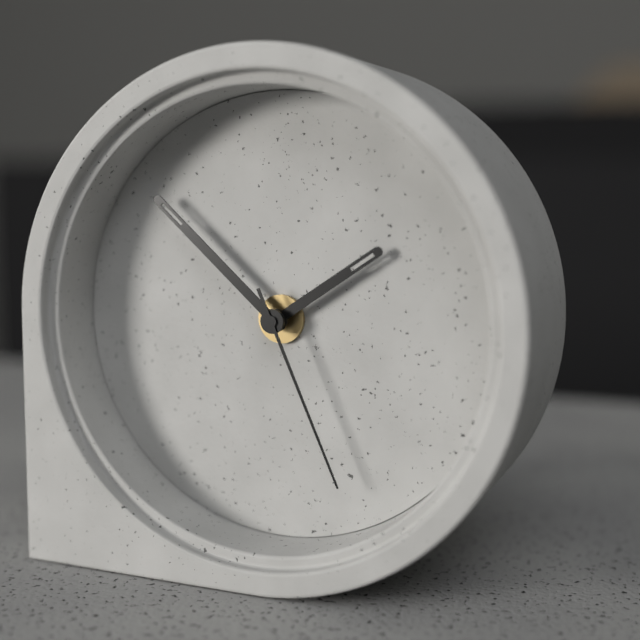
1:52:26
